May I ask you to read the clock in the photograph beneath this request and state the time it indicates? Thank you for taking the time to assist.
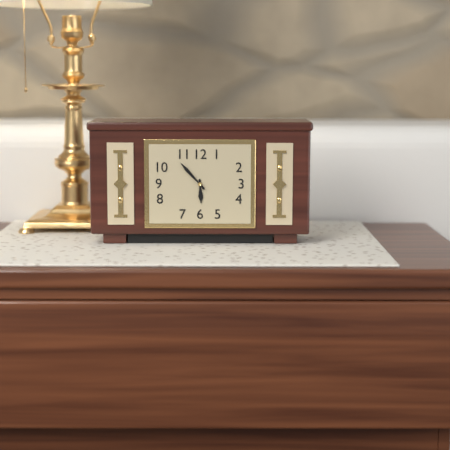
5:53
